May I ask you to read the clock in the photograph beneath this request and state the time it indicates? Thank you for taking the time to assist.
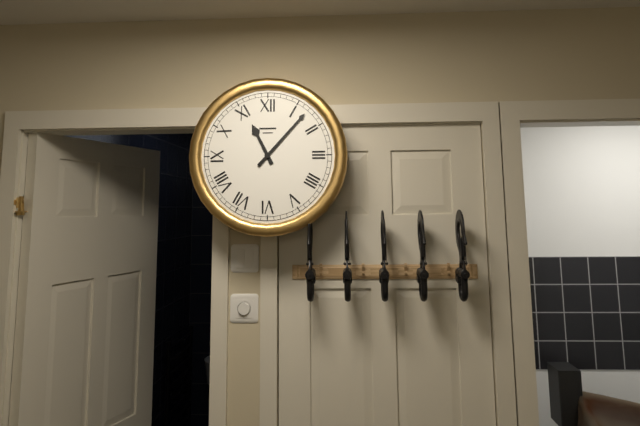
11:07
